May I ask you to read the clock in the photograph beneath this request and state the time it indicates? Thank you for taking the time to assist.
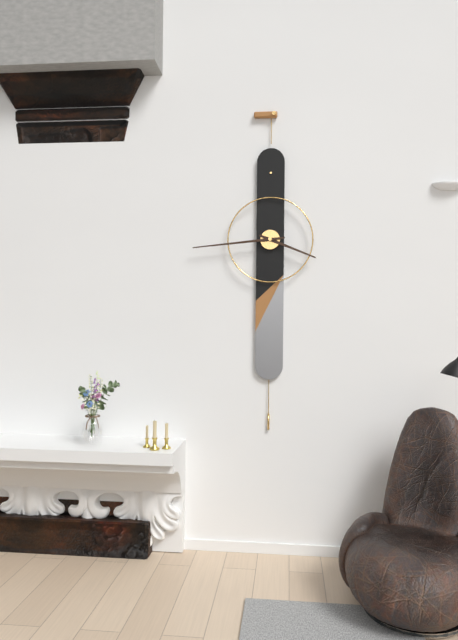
3:44
